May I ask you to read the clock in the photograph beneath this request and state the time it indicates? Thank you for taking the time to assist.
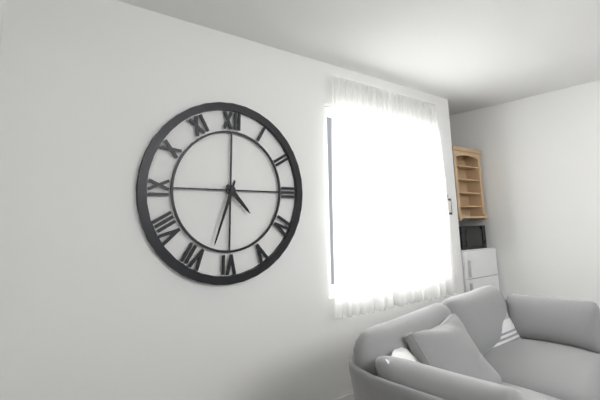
4:33
